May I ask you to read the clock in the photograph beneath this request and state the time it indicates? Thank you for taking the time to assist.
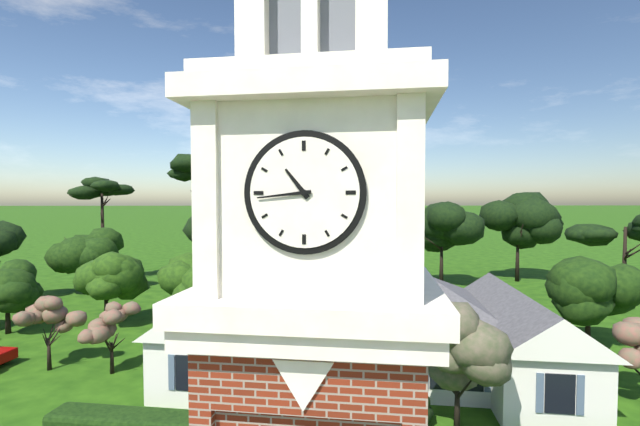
10:44
